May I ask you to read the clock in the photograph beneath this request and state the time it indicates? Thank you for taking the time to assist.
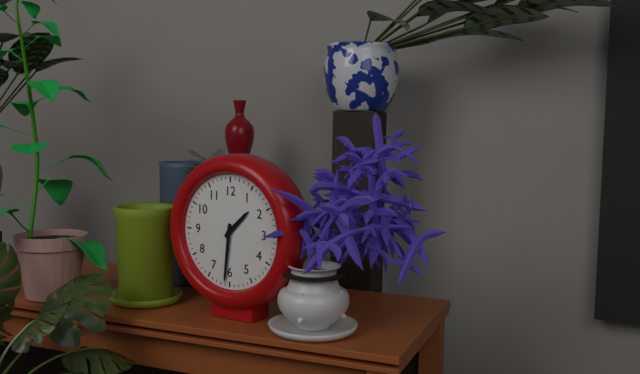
1:31
